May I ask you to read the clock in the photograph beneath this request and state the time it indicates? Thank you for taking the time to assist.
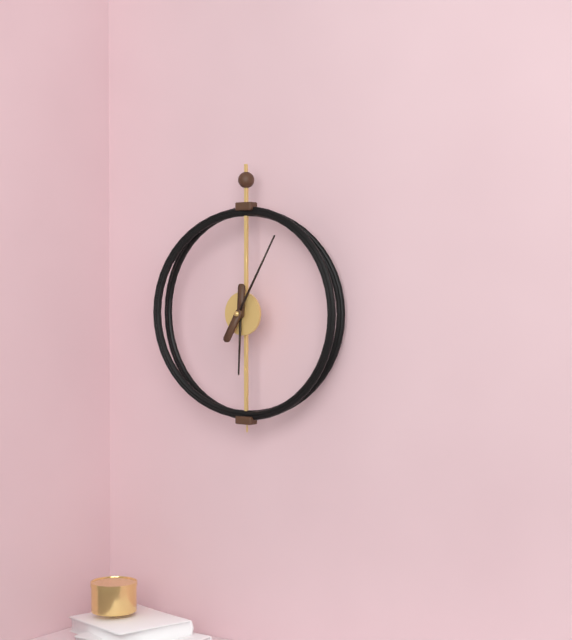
6:05
